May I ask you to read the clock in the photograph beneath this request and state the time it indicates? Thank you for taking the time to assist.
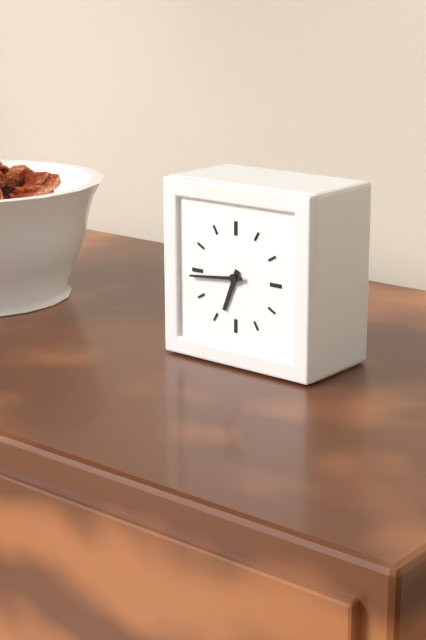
6:44
